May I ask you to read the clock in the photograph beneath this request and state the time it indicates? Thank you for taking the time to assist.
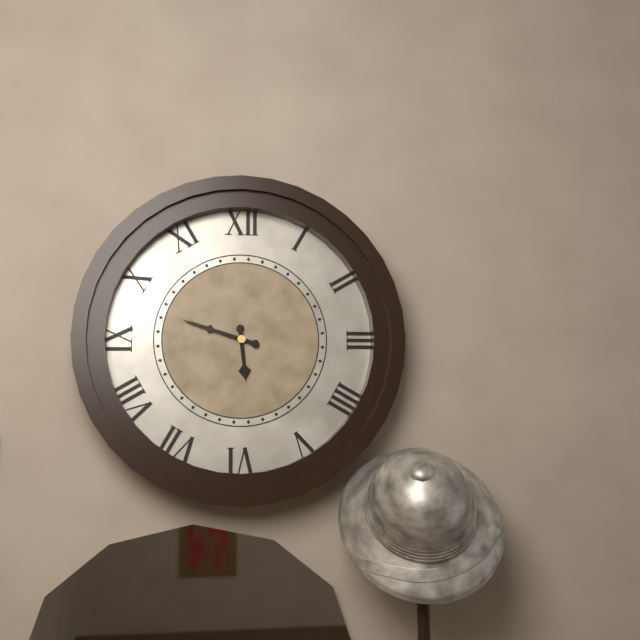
5:48
